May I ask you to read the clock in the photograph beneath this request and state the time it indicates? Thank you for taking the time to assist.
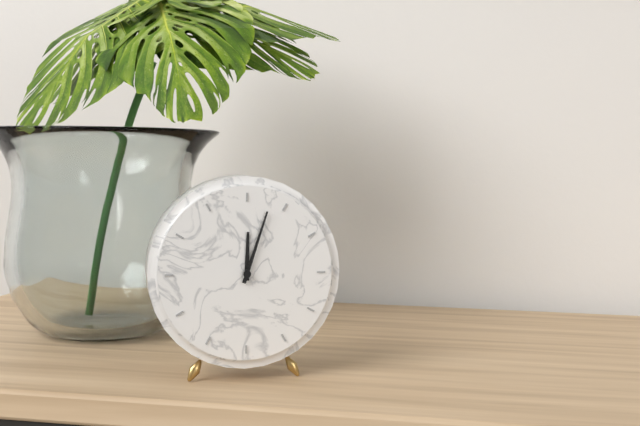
12:03
